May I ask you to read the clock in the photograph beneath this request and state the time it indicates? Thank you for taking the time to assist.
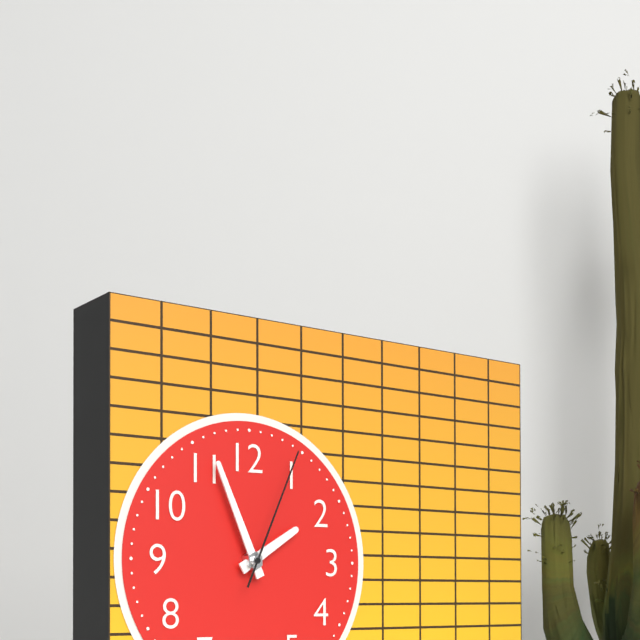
1:56:04
